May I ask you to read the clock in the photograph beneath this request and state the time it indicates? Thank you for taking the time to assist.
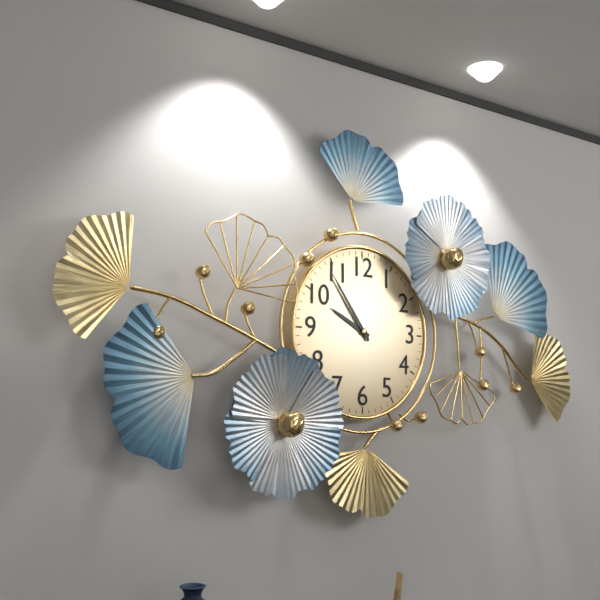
9:54
